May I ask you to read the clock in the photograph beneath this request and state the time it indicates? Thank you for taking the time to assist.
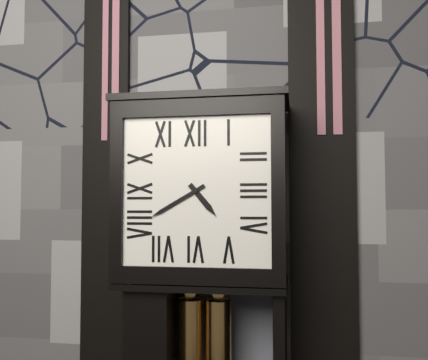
4:40
